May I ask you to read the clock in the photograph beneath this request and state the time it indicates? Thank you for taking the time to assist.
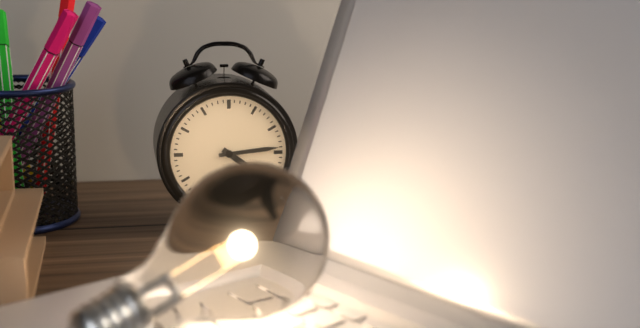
4:14
